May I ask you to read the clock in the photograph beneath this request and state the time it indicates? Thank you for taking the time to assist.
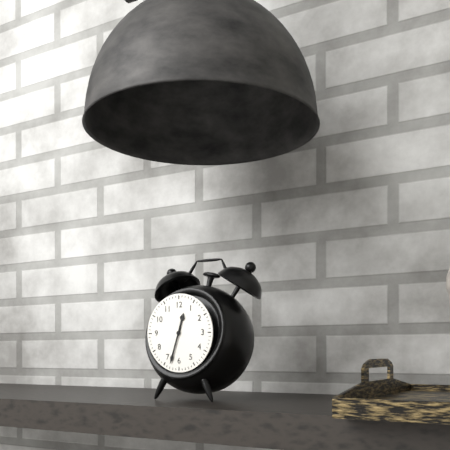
12:33
